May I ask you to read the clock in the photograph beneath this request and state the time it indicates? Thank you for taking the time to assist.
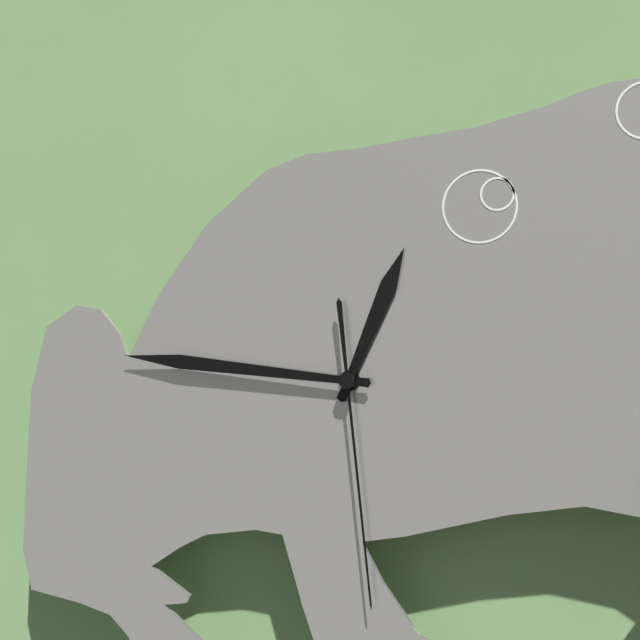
12:46:29
